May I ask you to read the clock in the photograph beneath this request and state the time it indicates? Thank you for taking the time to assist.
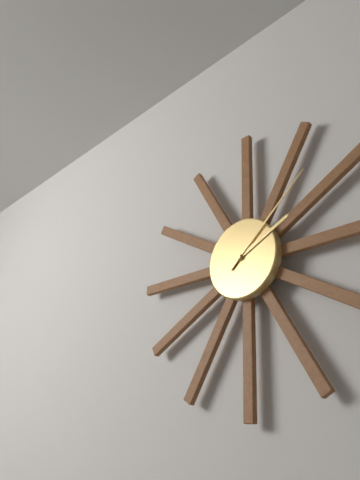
2:08
